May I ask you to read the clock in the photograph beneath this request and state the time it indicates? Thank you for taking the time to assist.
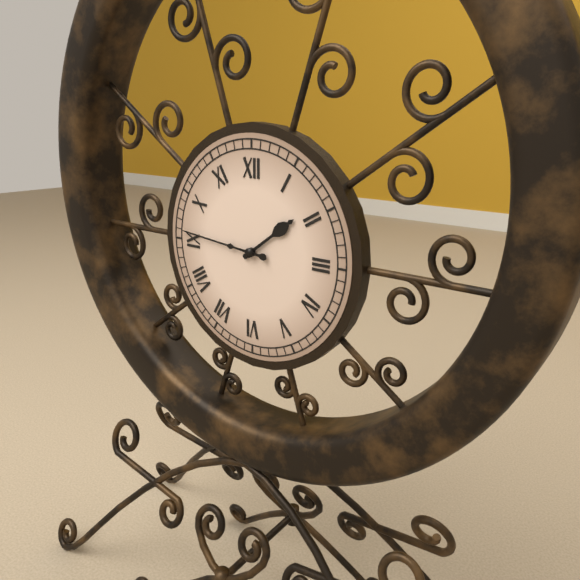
1:46
